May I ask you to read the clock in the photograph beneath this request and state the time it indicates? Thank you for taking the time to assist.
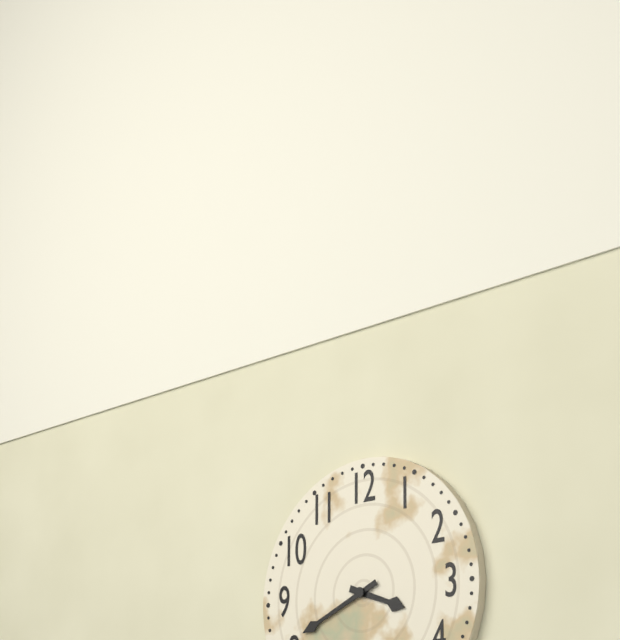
3:41
